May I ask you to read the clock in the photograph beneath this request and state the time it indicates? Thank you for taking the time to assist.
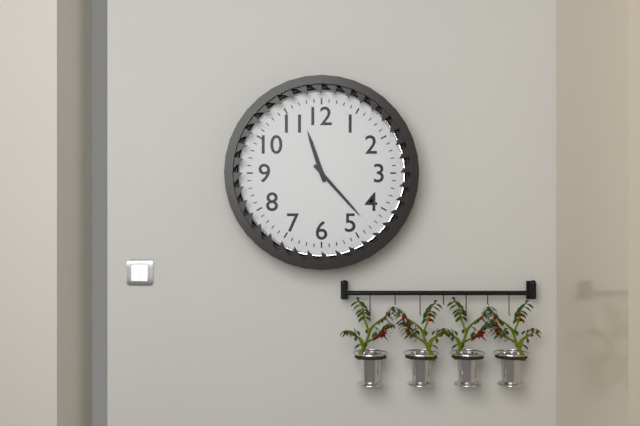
11:23
